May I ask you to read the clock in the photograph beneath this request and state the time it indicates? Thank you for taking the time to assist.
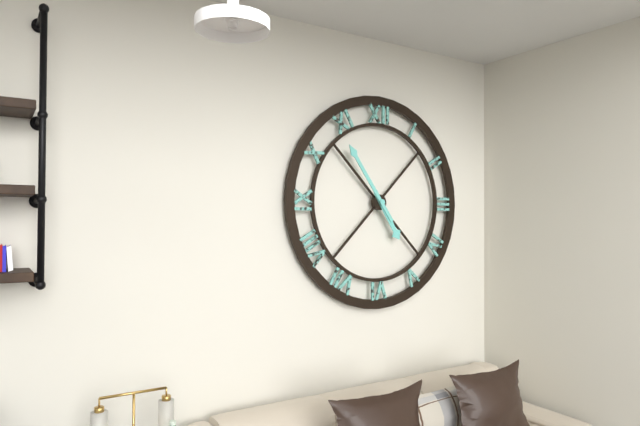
4:54
